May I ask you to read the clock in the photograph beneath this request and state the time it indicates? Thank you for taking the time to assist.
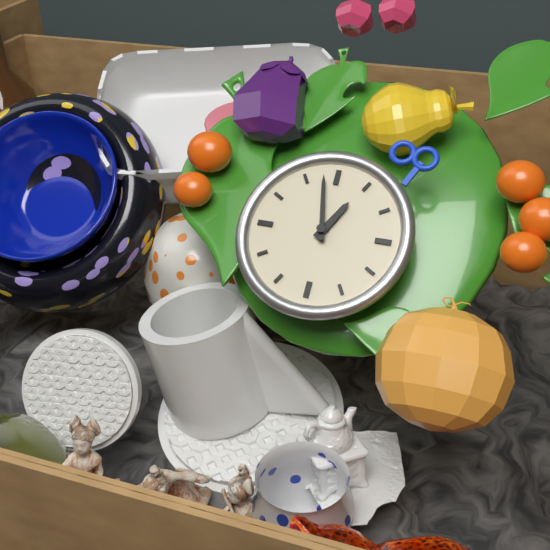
12:58
